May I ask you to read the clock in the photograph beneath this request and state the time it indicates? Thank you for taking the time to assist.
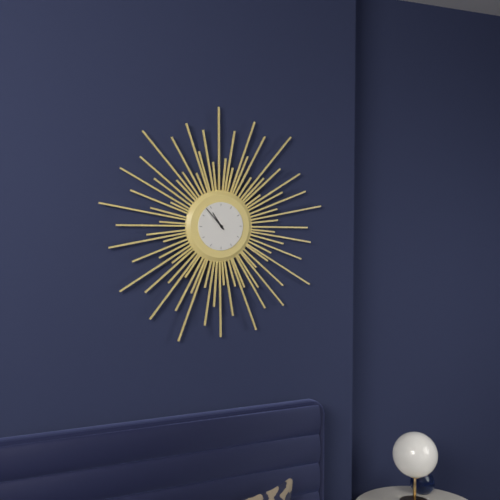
10:53
